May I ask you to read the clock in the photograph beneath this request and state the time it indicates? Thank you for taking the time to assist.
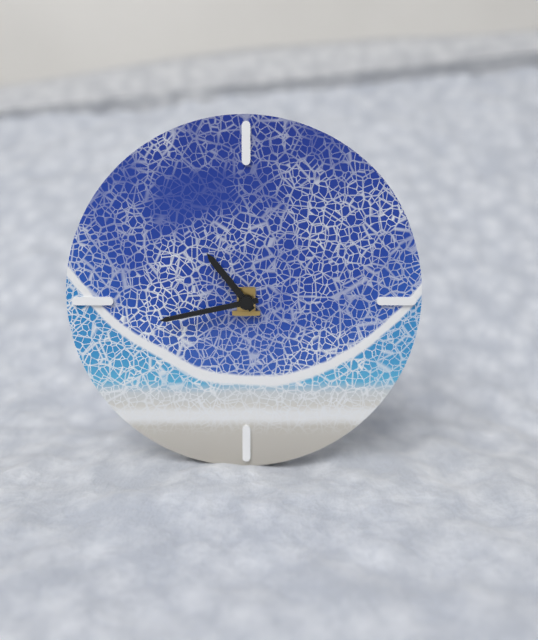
10:43
